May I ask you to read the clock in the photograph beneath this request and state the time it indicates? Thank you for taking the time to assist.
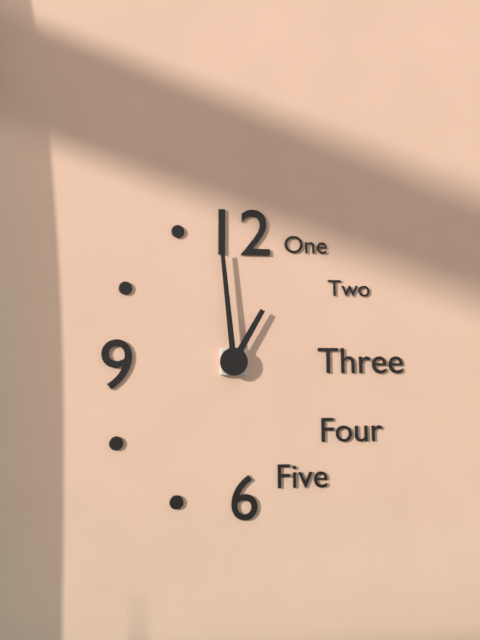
12:59
